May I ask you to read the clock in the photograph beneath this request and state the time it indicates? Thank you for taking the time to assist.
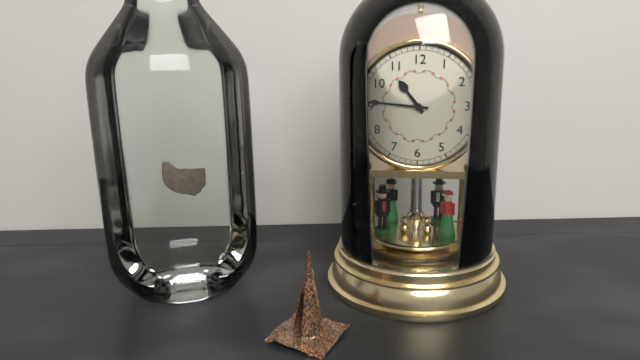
10:46
